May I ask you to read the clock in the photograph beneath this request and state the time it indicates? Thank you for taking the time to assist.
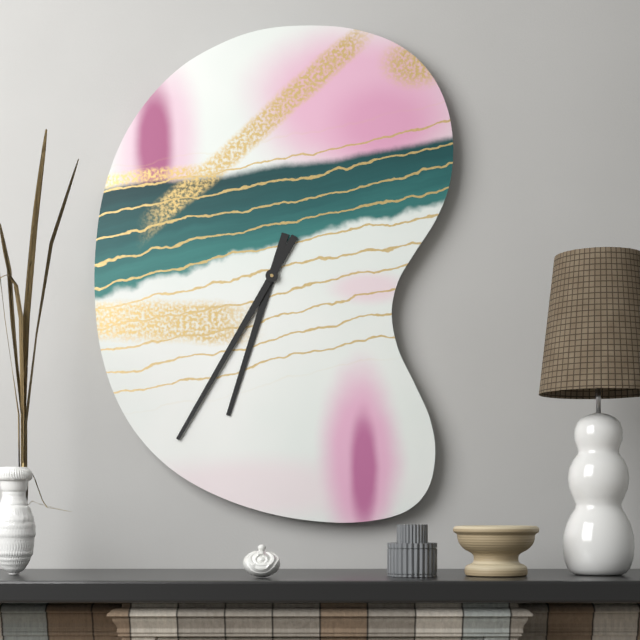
6:35
